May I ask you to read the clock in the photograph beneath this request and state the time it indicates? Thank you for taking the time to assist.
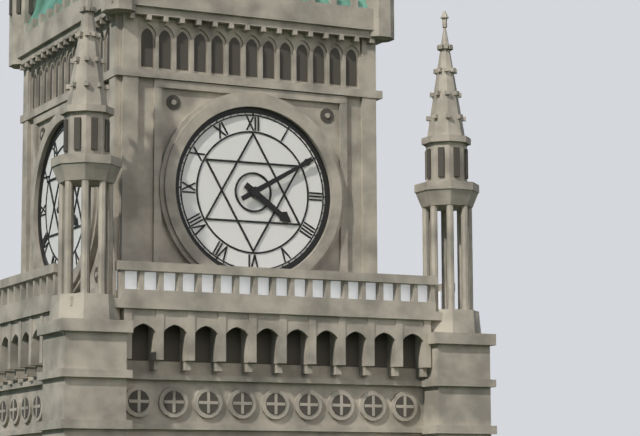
4:10
